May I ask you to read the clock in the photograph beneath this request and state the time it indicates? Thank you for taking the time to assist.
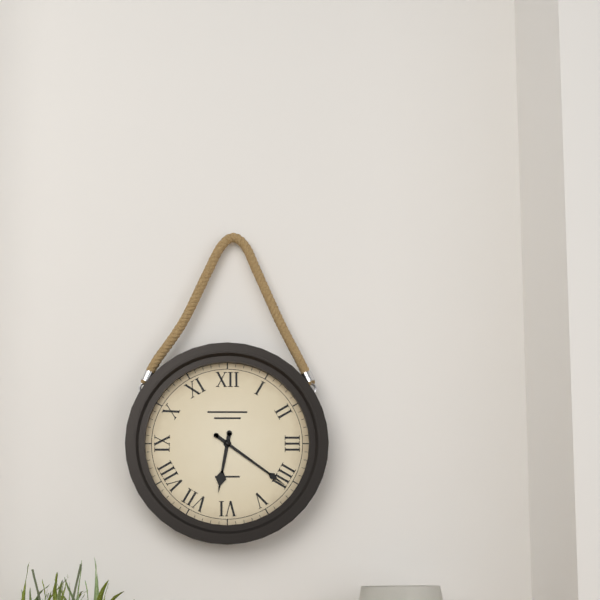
6:21
